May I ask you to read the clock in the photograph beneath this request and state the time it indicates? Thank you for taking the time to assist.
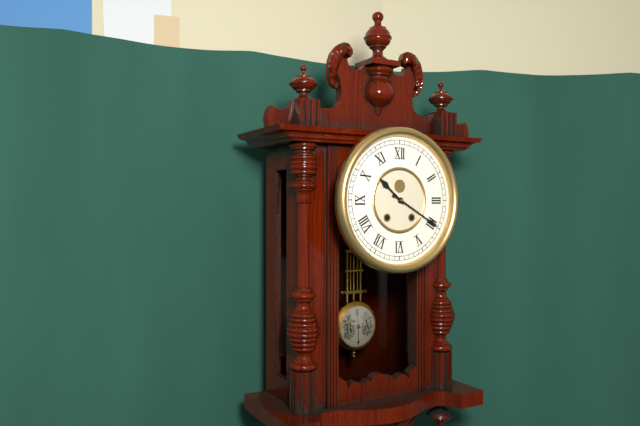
10:20
